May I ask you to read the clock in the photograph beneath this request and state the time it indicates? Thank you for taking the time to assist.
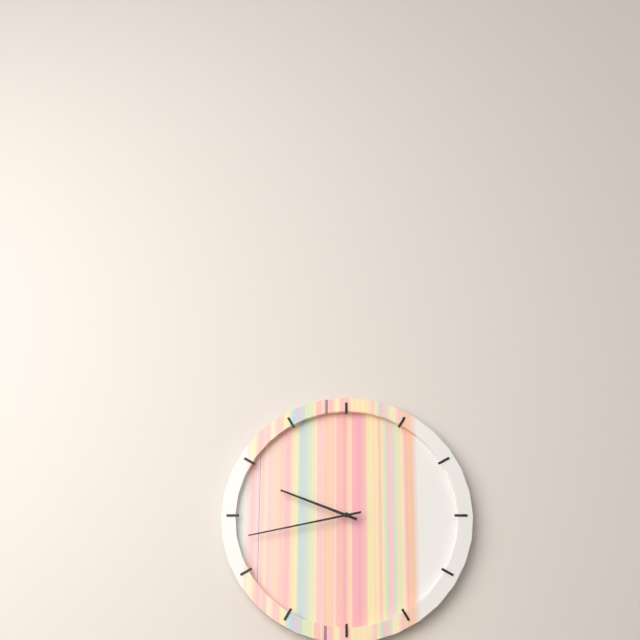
9:43
